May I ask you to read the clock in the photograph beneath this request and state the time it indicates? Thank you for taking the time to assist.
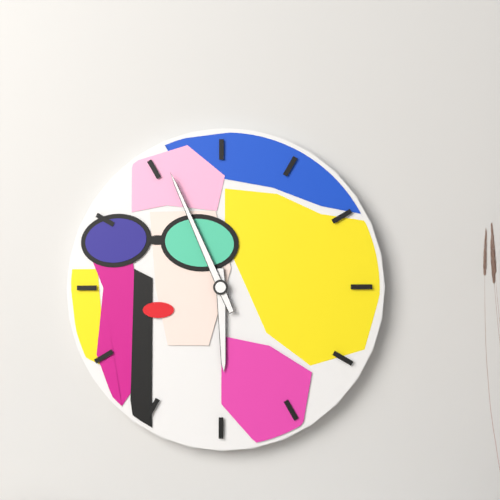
5:56
